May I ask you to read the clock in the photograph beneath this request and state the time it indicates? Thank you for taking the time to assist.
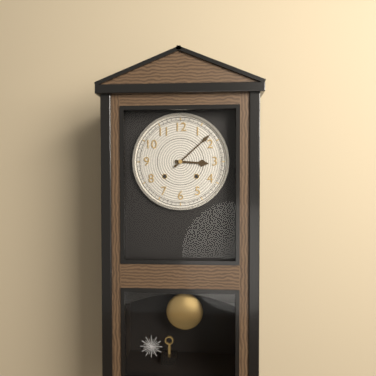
3:08
